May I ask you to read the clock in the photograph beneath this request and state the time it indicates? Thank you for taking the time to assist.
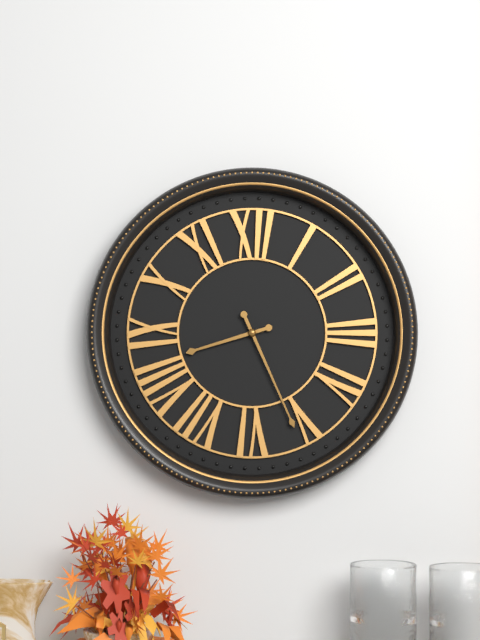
8:26
